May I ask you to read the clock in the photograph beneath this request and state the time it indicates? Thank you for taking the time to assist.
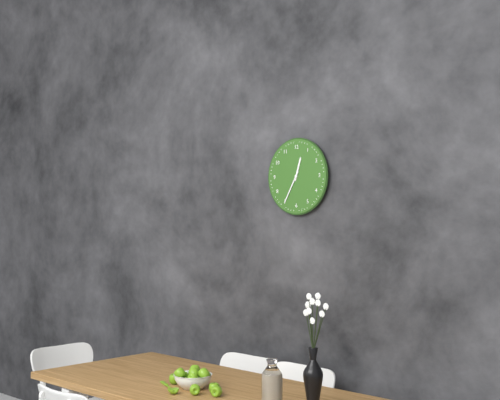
12:35
